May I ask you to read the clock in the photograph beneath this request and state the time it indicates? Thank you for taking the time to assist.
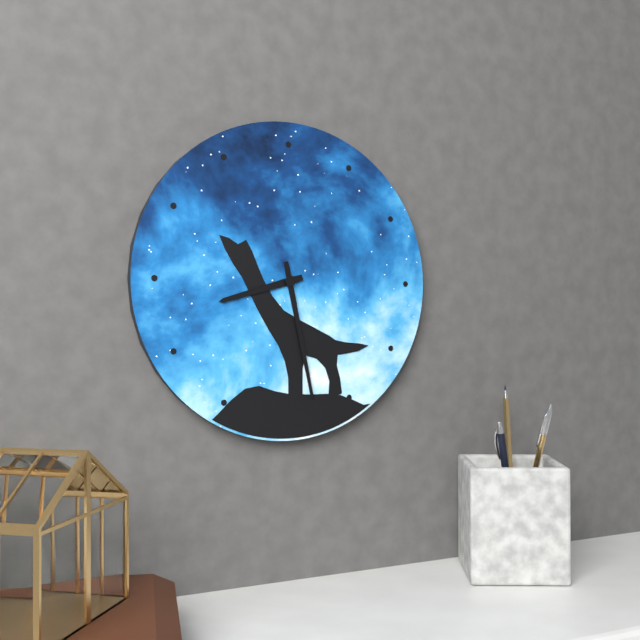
8:28
